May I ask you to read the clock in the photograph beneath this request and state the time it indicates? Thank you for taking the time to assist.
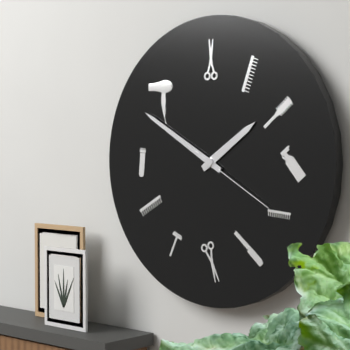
1:50:20
